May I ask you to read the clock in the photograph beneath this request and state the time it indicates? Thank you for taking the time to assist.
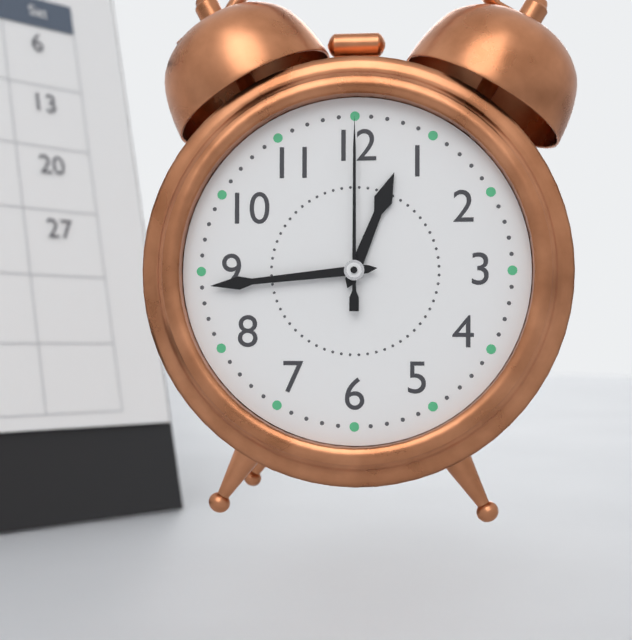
12:44:00
